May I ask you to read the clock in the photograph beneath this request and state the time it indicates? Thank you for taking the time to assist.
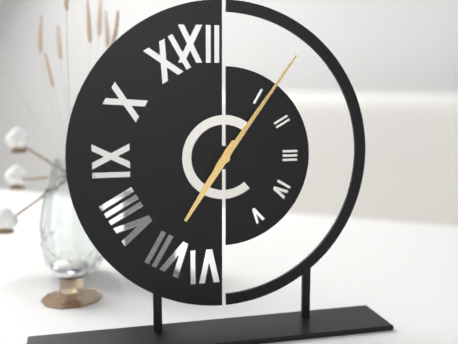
7:06
